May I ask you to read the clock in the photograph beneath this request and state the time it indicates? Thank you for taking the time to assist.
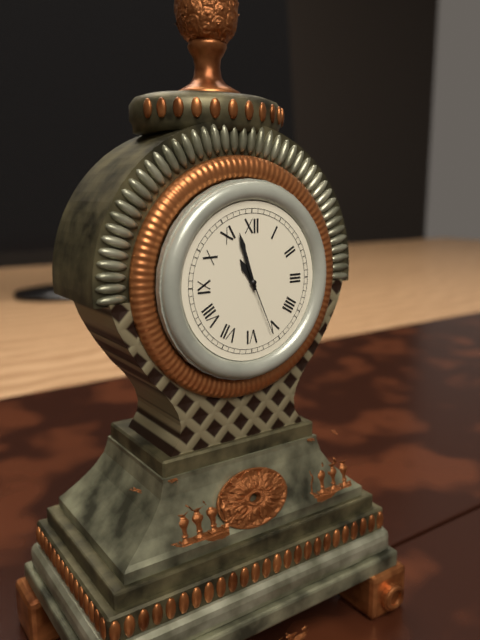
10:57:26
